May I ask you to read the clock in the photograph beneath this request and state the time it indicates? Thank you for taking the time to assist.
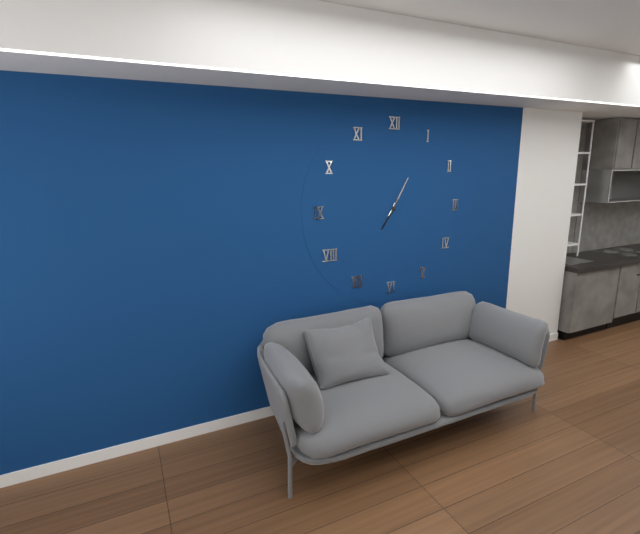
7:05
